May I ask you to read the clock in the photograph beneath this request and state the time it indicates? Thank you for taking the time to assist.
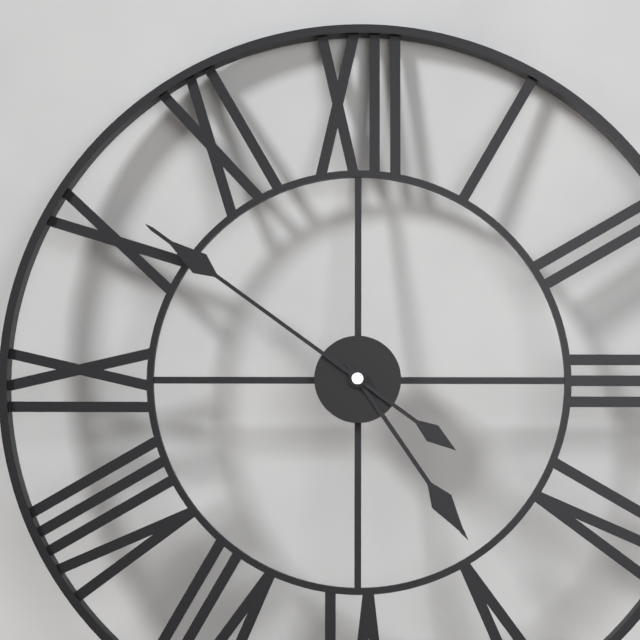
4:51
